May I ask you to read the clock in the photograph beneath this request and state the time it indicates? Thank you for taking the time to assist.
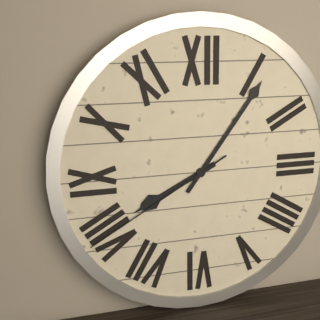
8:06:40
